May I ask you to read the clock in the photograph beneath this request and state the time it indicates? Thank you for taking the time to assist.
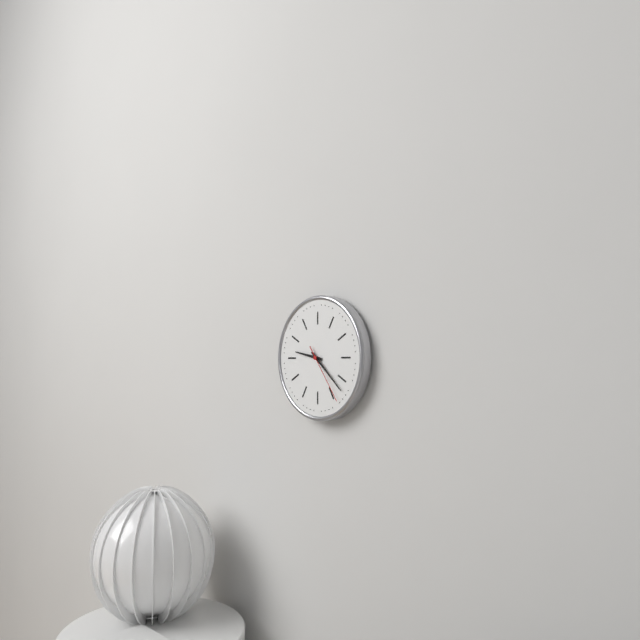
9:22:24
